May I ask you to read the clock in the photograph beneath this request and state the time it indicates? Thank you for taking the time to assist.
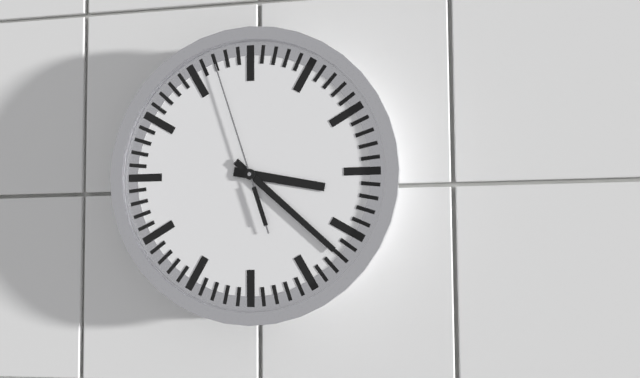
3:22:57
